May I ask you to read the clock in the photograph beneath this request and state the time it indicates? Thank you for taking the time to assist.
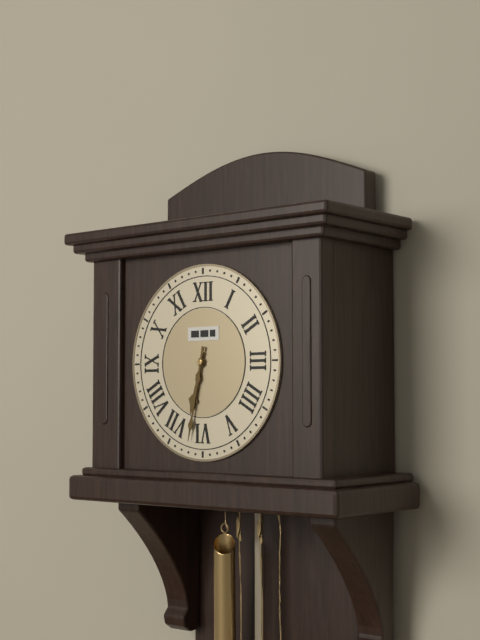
6:32
